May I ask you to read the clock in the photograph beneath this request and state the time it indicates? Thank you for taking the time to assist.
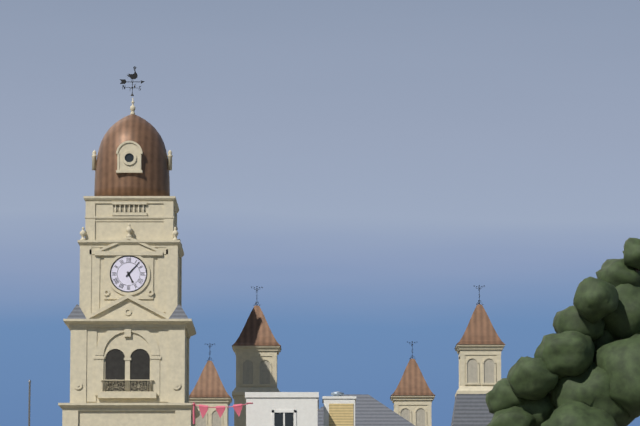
5:07
